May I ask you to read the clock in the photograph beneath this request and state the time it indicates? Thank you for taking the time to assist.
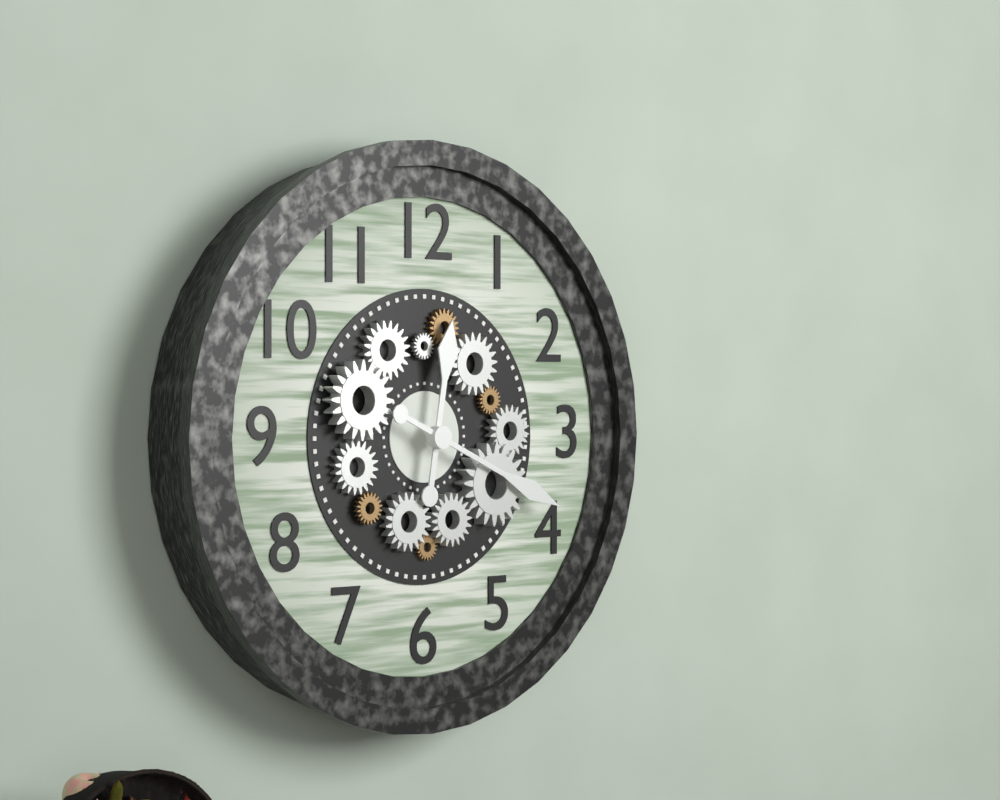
12:19
